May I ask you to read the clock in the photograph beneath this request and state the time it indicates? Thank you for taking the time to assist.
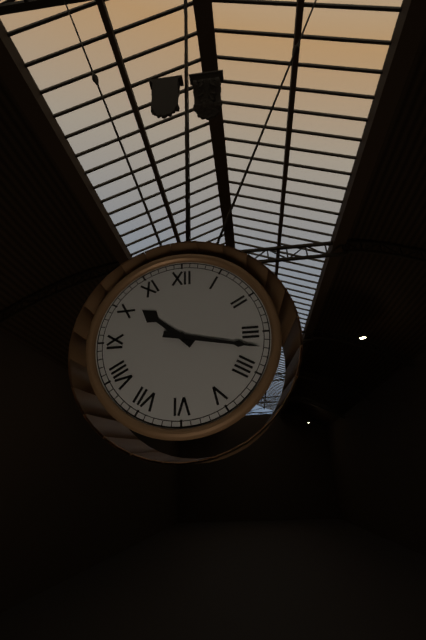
10:17
